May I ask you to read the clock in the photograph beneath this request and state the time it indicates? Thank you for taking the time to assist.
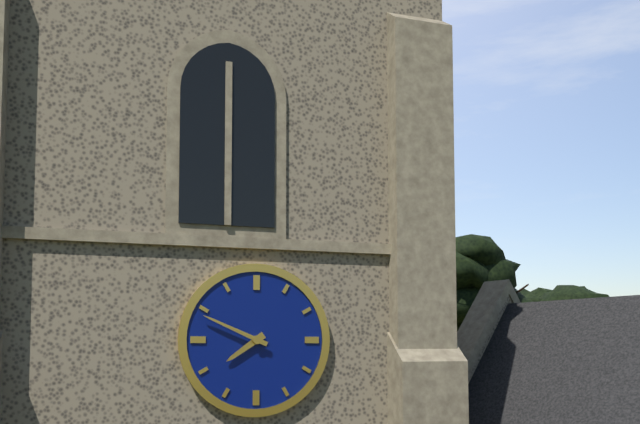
7:49
